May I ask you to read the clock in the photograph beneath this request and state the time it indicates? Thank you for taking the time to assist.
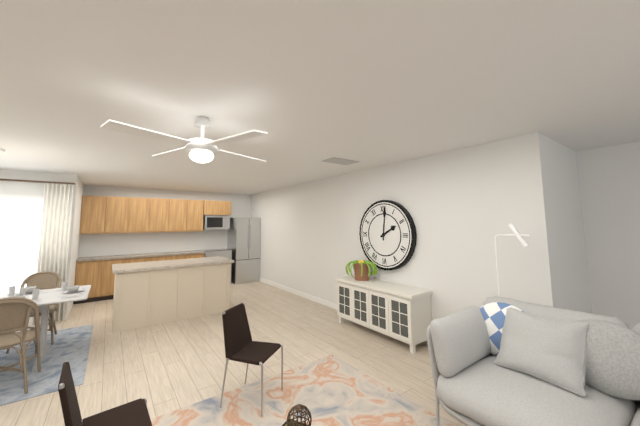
2:01
